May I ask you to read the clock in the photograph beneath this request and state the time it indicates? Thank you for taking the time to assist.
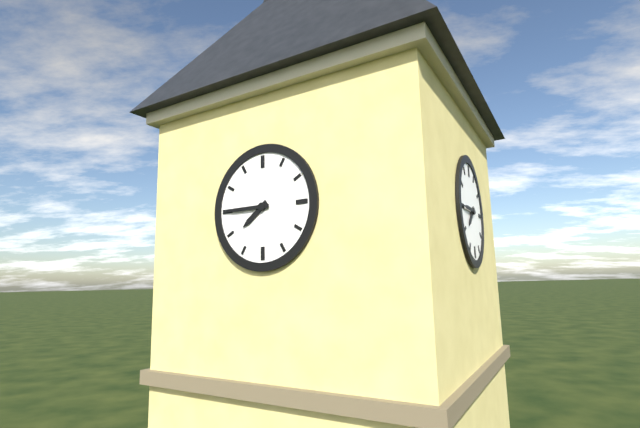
7:45
